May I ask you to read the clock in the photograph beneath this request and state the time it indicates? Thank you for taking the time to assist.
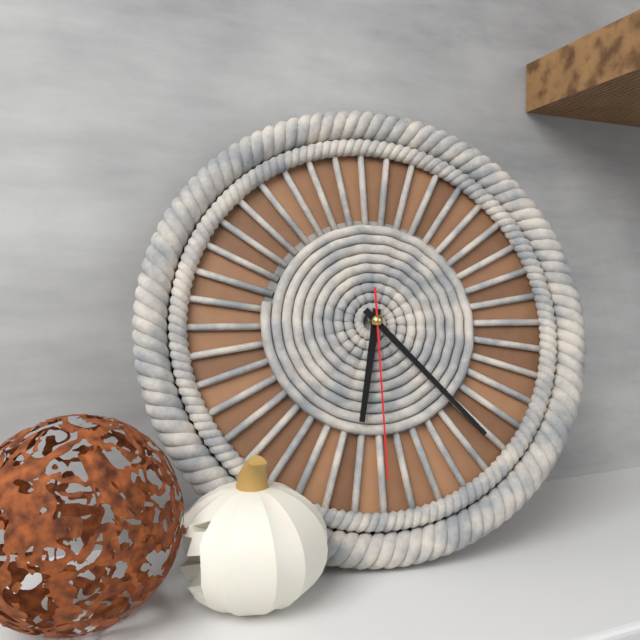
6:23:30
